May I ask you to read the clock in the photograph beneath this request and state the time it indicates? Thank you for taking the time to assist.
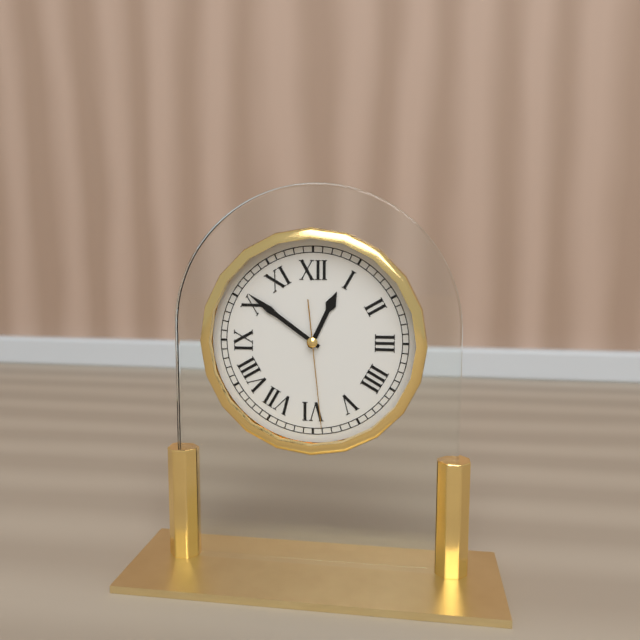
12:51:29
